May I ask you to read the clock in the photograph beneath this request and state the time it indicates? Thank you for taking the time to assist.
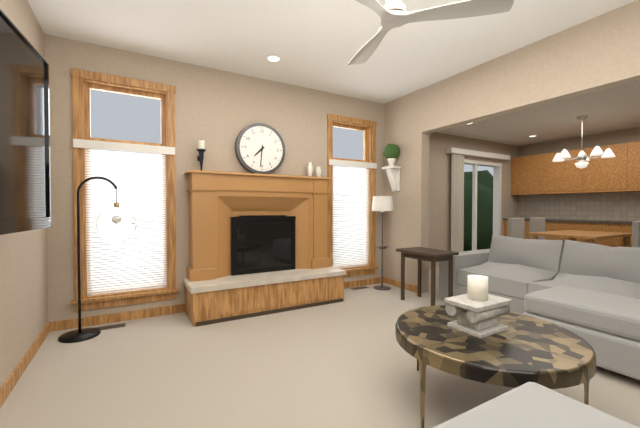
7:31
